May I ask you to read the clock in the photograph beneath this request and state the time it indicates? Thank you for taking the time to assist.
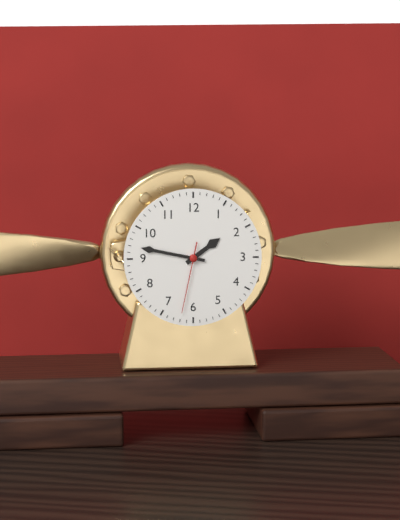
1:47:32
